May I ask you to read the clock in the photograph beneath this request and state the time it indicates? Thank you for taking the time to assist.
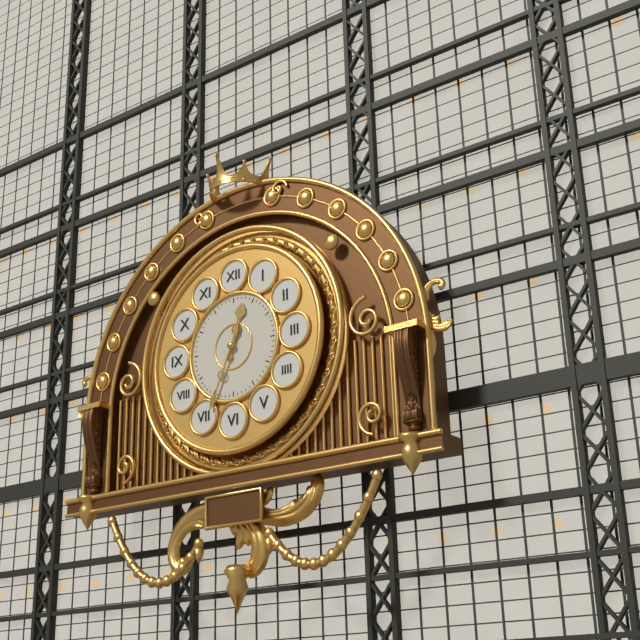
12:34
